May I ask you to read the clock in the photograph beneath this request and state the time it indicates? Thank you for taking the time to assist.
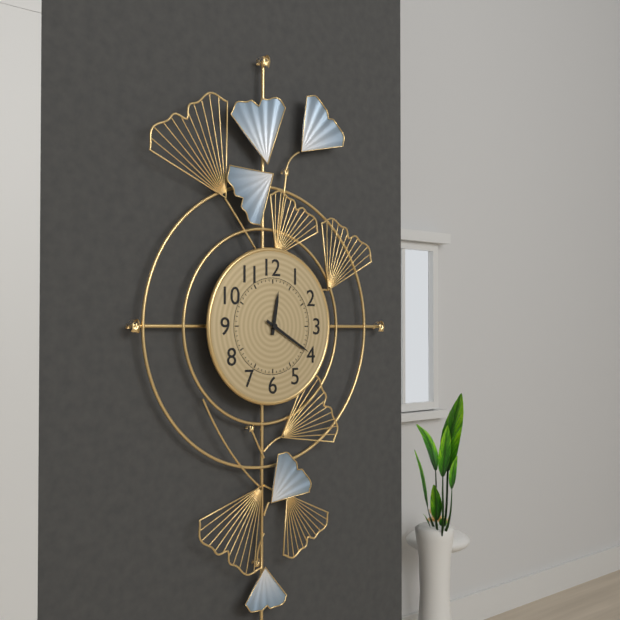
12:20
